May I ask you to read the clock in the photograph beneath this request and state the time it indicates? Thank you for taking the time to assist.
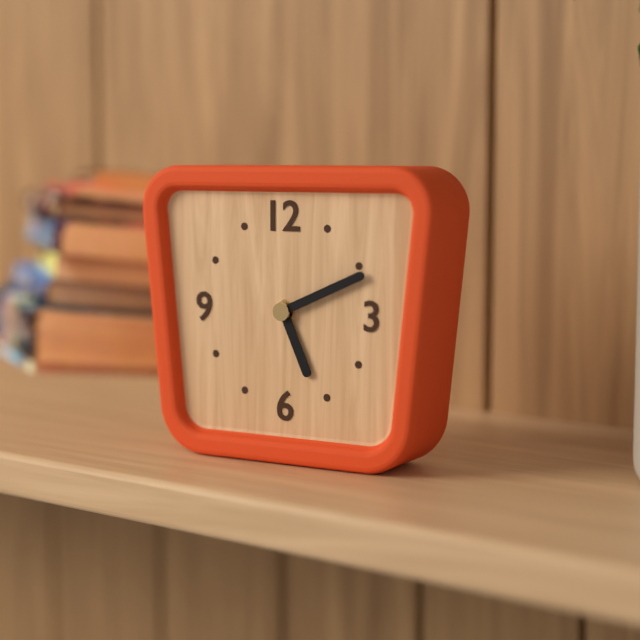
5:11
